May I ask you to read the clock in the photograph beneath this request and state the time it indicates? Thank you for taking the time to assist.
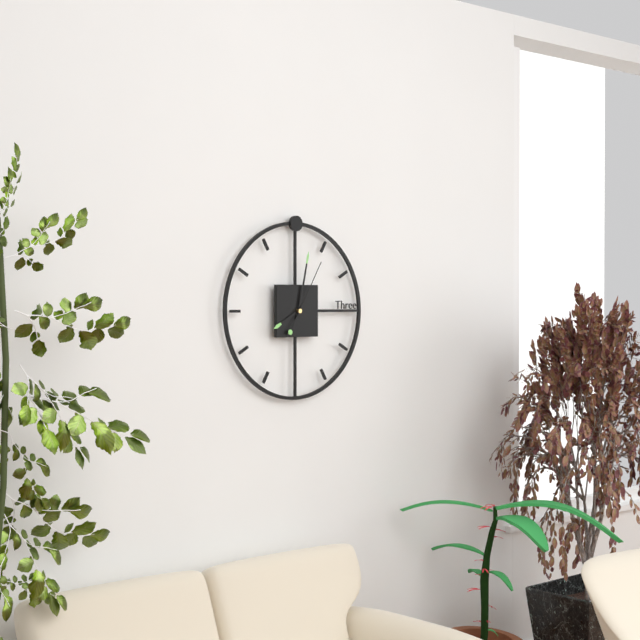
8:02:05
